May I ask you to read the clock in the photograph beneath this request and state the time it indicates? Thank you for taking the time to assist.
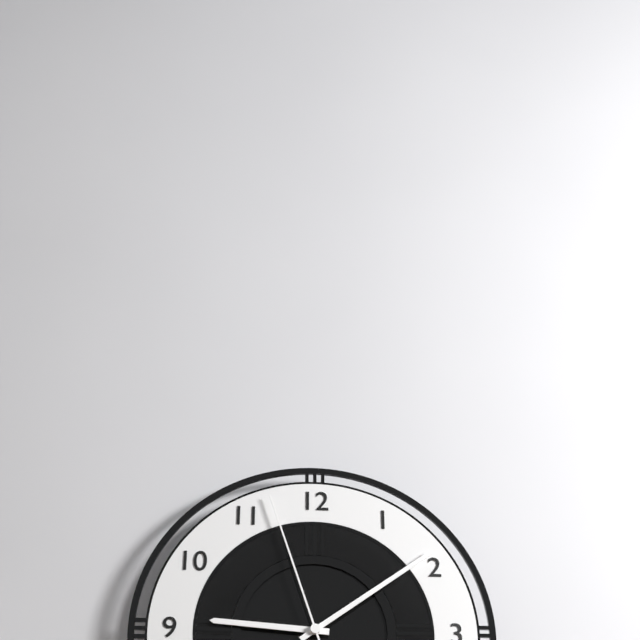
9:09:57
